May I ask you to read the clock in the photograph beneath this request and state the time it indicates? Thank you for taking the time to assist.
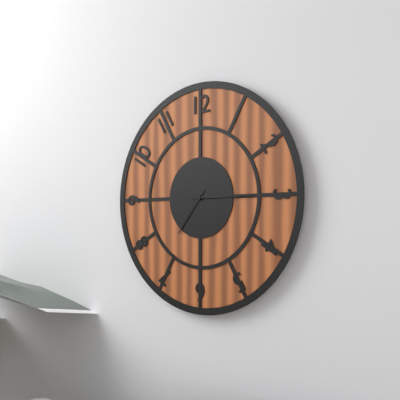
7:15
